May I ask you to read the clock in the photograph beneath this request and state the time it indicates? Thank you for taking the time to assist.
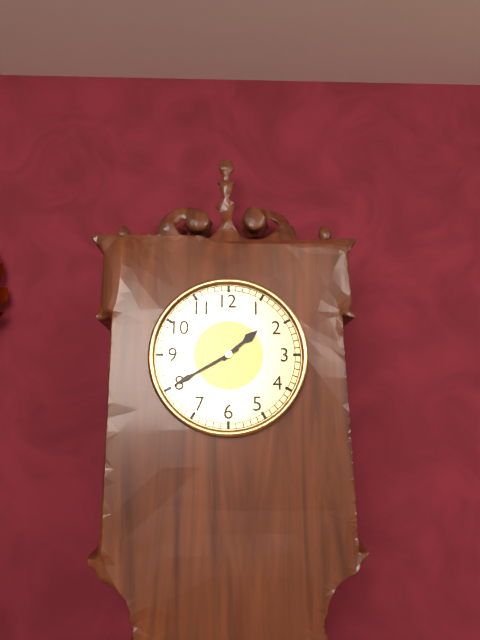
1:40
